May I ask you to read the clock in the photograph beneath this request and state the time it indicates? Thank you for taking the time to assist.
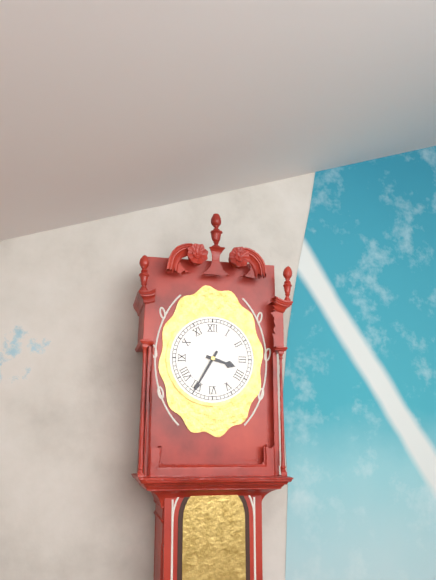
3:35
